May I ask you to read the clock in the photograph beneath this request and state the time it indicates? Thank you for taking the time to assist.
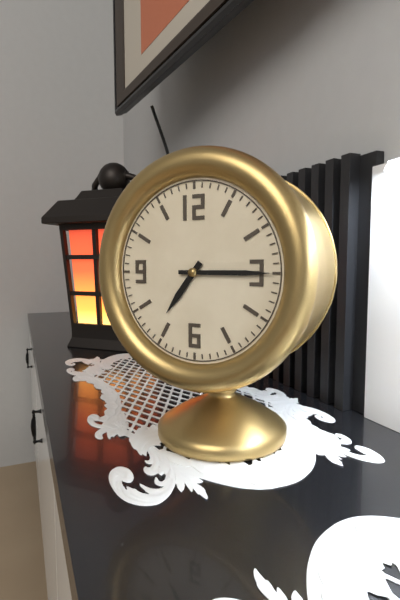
7:15
